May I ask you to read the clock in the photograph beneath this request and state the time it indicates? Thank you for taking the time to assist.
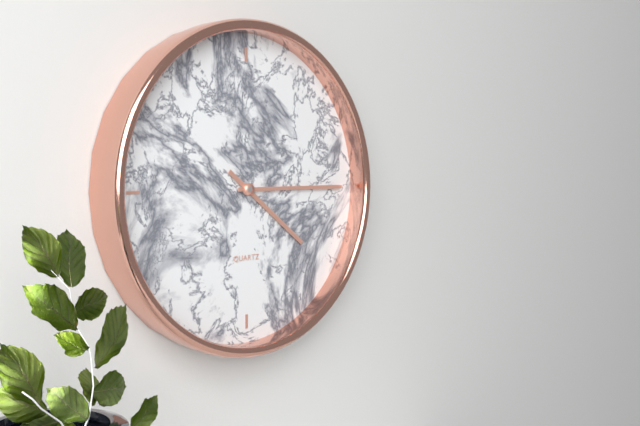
4:15
